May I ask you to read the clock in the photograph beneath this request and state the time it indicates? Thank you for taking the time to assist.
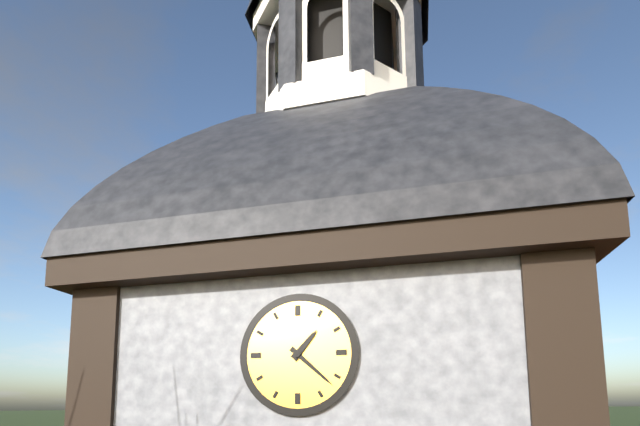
1:22
